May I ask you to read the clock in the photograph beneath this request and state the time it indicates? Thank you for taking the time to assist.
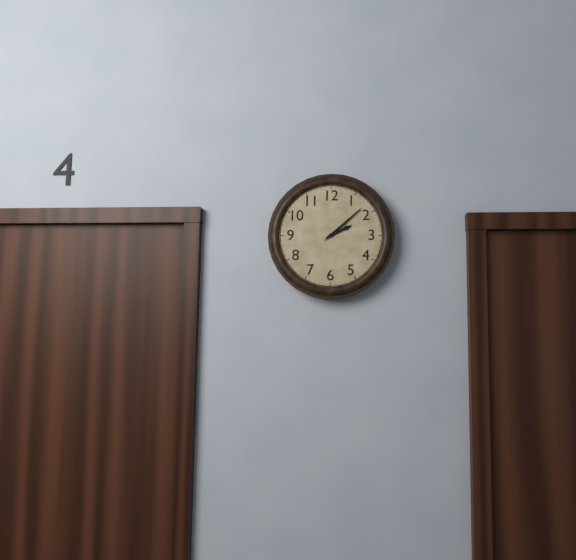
2:08
